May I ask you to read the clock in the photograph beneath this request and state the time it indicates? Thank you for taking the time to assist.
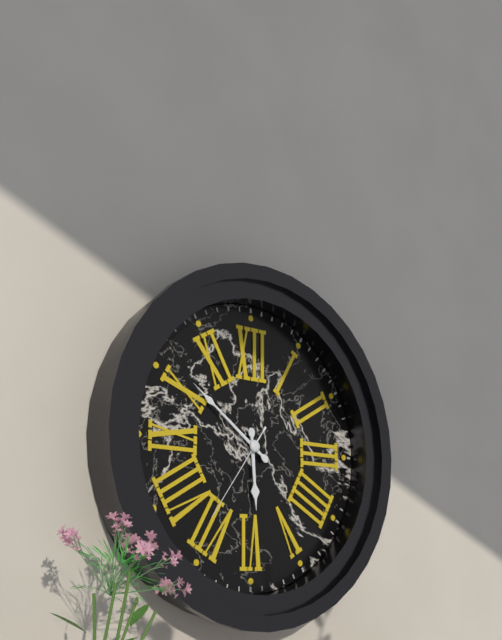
5:51:36
